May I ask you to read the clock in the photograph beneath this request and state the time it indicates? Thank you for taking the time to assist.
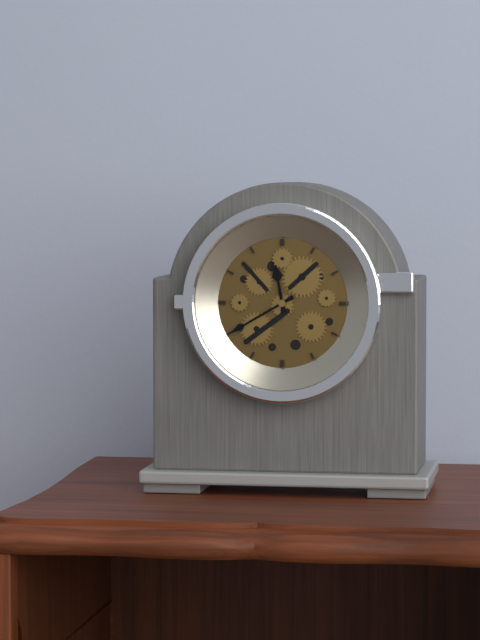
11:40
